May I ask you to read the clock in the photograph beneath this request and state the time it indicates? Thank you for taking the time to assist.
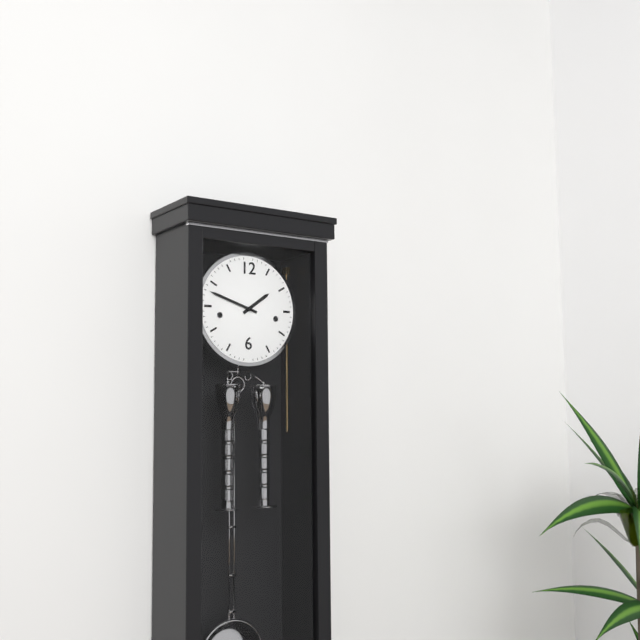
1:48
